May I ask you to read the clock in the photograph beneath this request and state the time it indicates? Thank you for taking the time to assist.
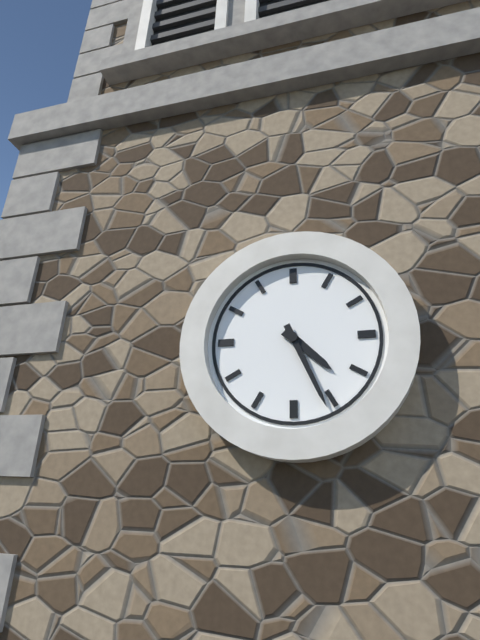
4:26
